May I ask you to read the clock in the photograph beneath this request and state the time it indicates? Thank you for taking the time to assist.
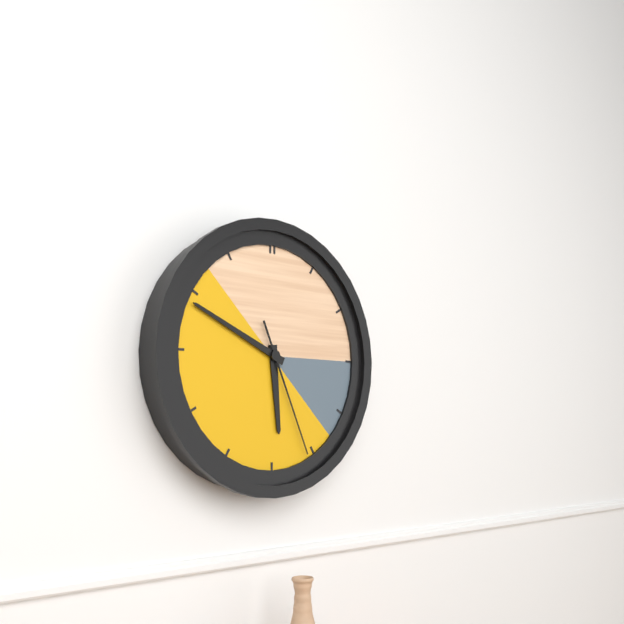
5:49:26
